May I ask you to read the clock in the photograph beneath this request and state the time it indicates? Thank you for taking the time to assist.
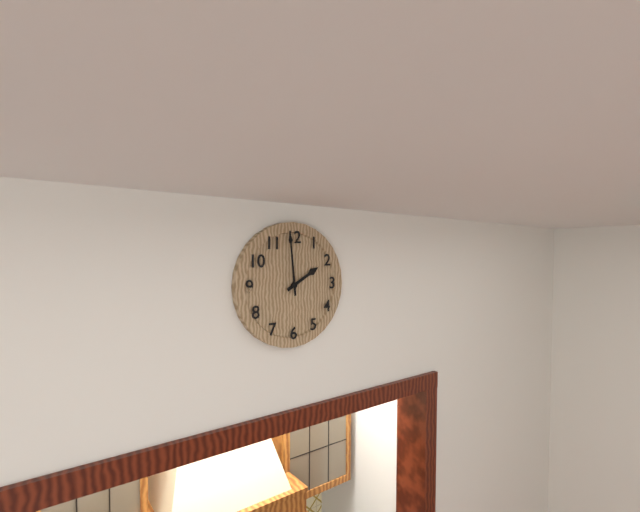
1:59
